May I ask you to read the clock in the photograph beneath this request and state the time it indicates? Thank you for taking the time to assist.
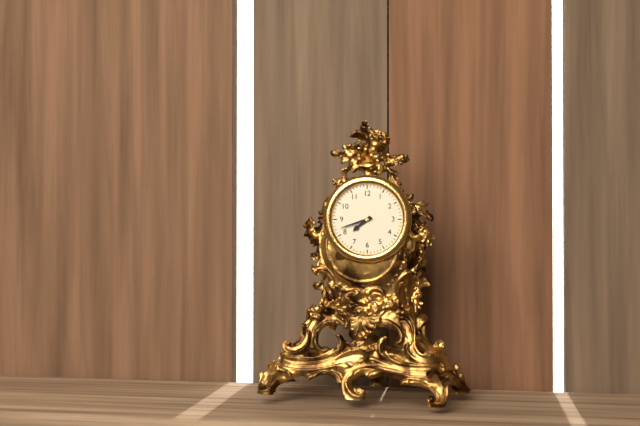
7:42
